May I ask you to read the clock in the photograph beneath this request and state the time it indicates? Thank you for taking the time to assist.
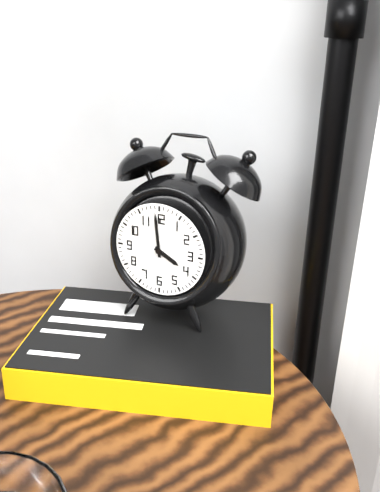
3:59
